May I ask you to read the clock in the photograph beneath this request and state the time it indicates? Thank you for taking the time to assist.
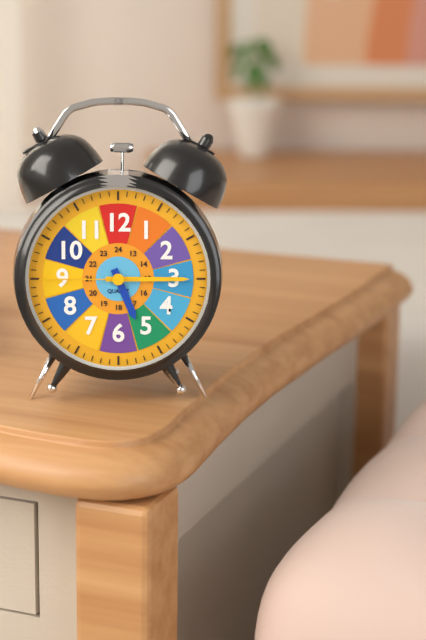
5:15:45
